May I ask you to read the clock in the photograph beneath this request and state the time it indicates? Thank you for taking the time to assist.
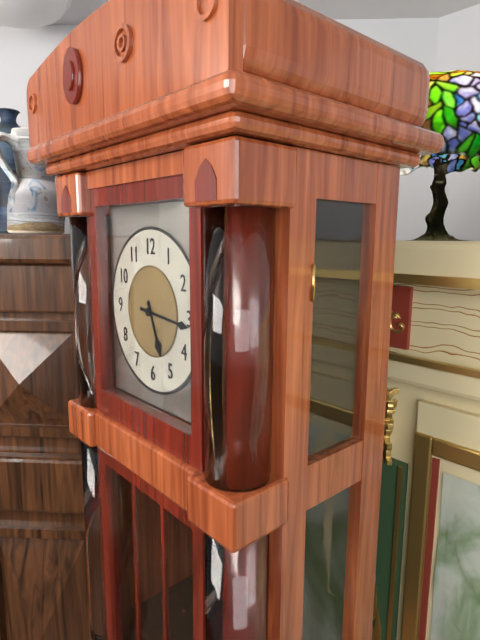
5:16
